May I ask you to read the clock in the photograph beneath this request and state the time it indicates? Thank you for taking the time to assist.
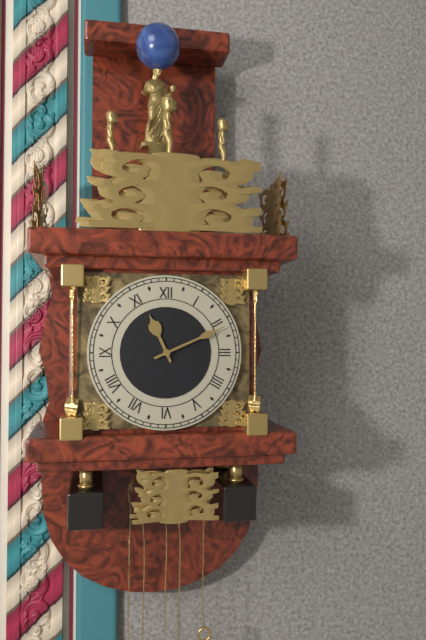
11:11
